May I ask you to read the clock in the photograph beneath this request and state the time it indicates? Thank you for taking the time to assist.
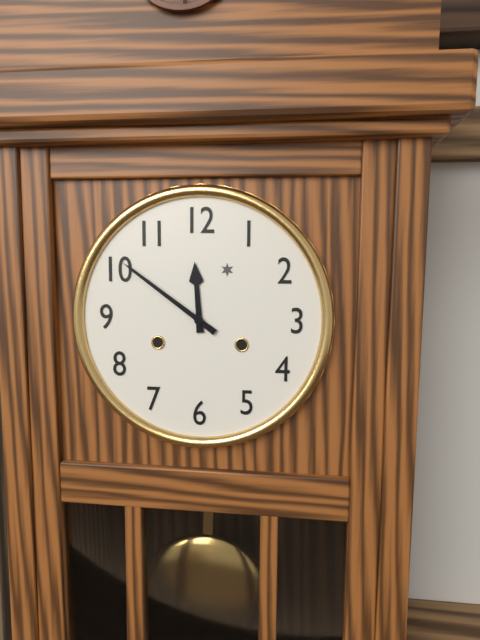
11:51
